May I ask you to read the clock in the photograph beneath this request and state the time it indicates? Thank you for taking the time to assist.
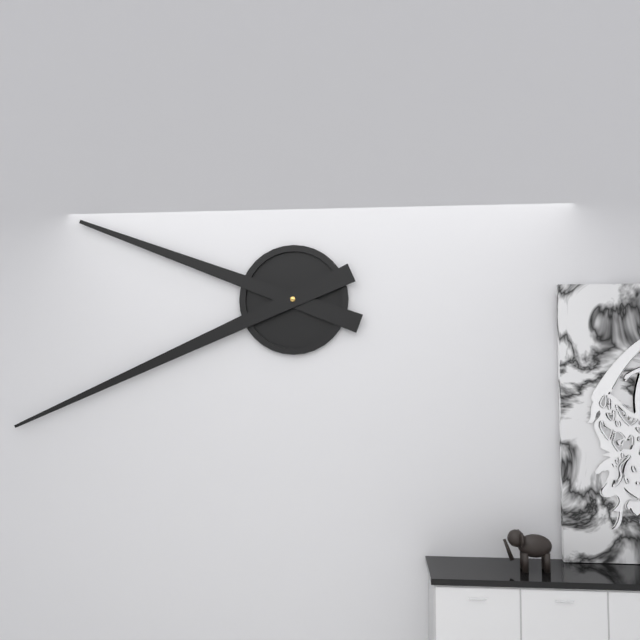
9:41
